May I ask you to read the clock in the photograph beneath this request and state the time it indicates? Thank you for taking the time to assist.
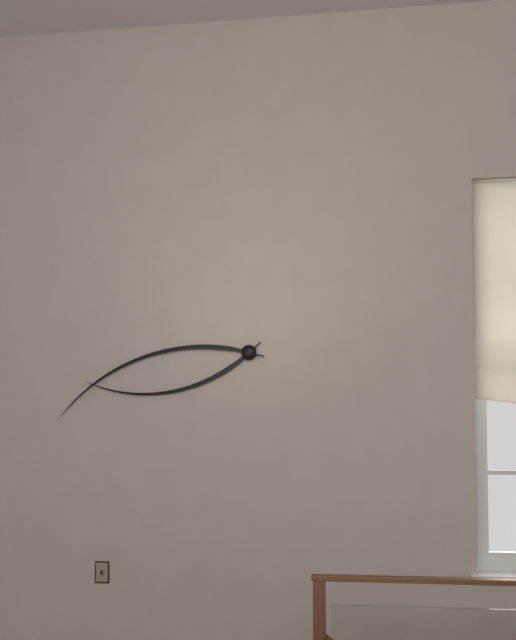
8:42
